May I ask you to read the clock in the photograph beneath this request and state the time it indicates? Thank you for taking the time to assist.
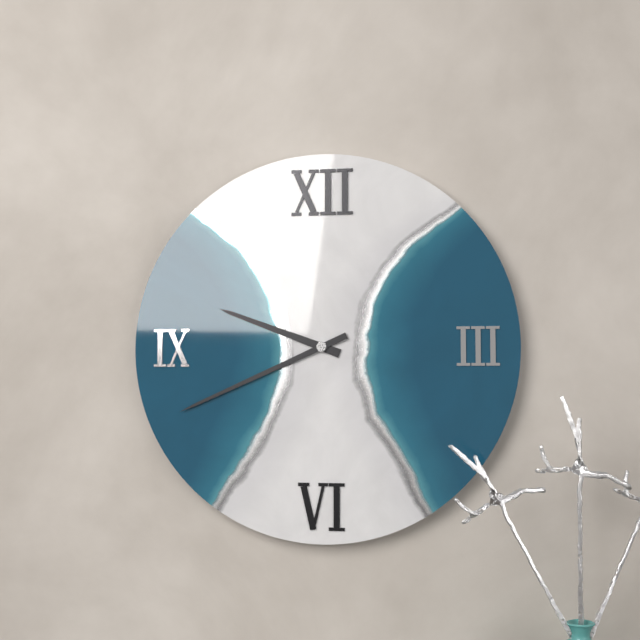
9:41
